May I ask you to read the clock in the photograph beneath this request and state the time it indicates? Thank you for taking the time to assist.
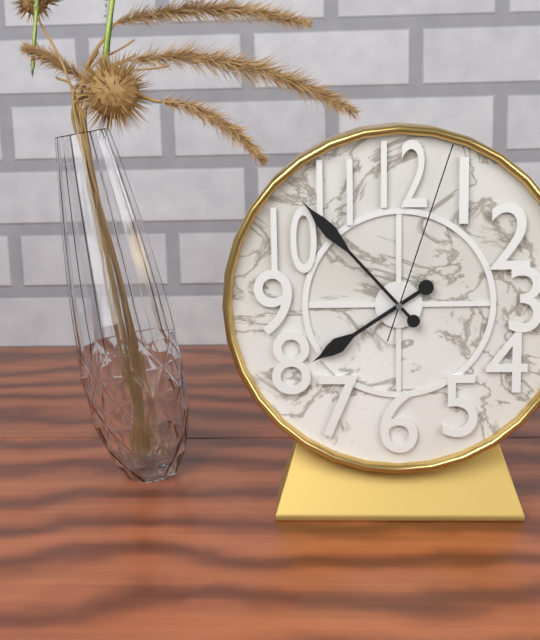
7:53:03
